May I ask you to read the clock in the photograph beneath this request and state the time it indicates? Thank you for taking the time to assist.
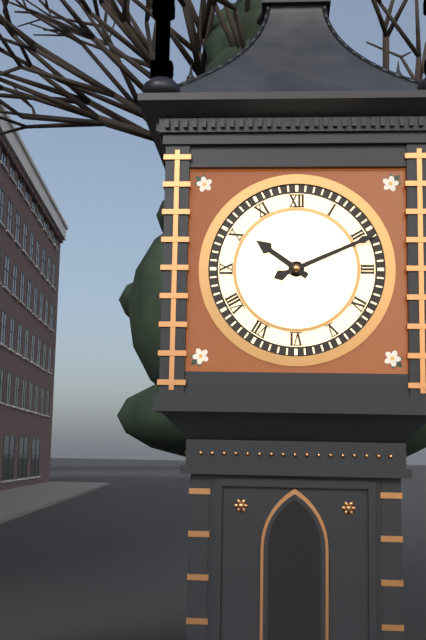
10:11
